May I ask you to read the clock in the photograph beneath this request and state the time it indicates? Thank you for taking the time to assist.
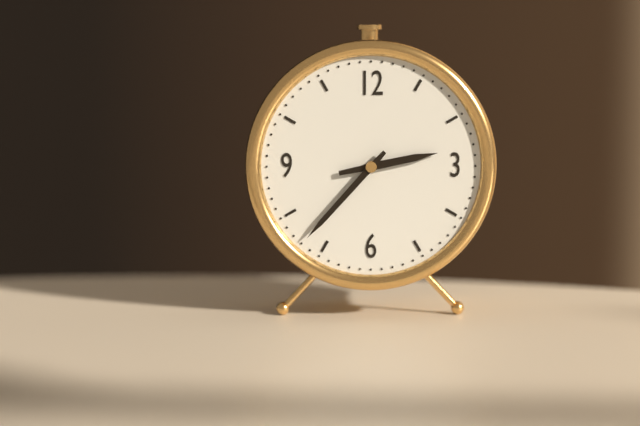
2:37
